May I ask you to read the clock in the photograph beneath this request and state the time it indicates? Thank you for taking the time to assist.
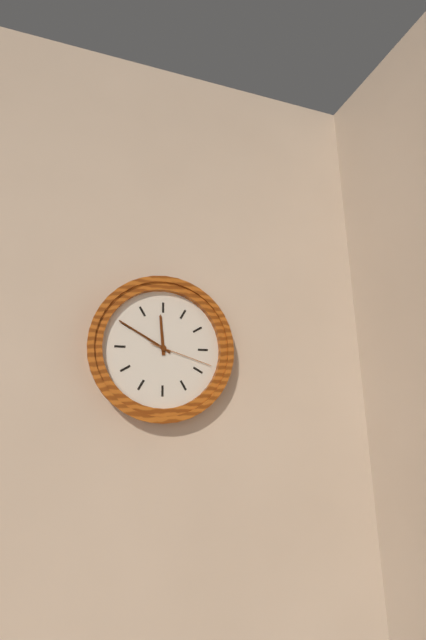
11:50:18
